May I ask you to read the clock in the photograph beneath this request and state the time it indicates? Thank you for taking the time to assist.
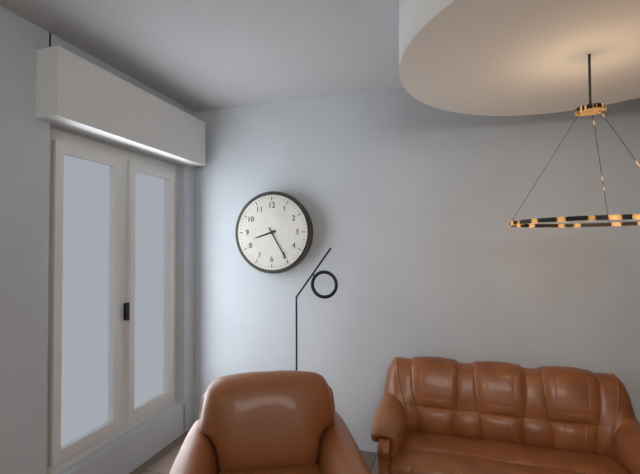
8:25
